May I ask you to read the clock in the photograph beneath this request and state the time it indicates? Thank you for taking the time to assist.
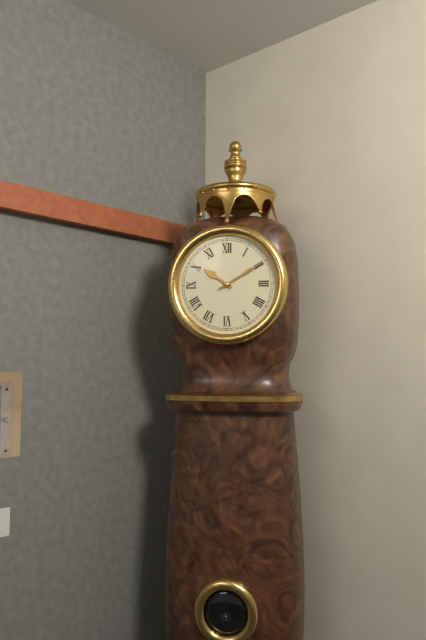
10:10
